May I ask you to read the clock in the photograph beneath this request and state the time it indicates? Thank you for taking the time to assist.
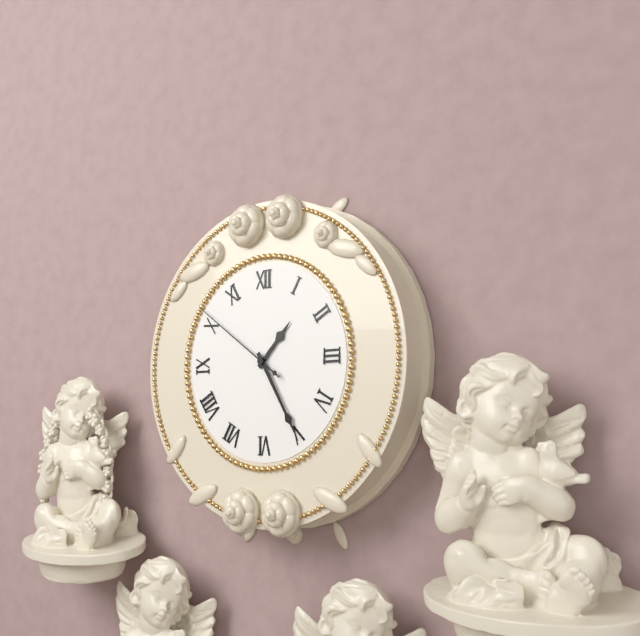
1:25:51
